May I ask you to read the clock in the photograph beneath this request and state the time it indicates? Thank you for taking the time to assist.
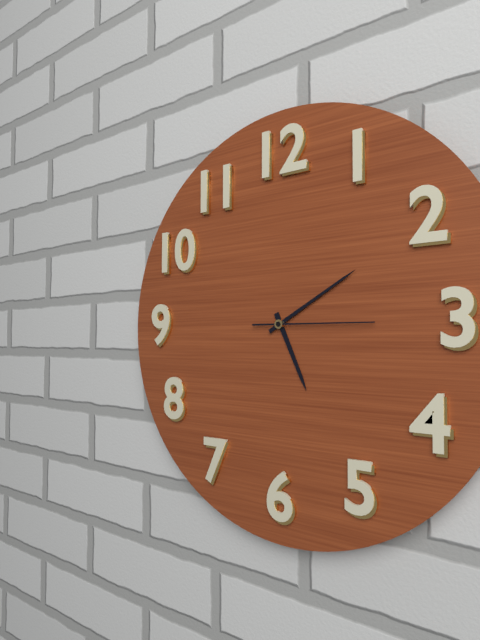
5:10:15
